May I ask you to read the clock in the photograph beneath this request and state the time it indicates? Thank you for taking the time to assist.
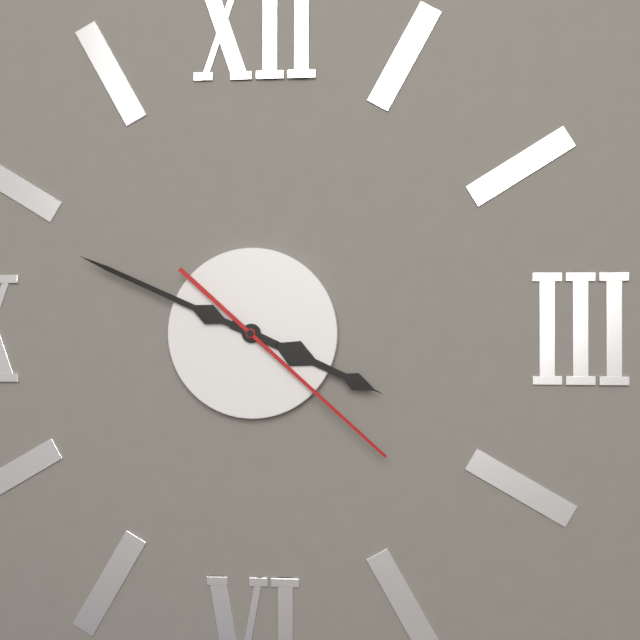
3:49:22
